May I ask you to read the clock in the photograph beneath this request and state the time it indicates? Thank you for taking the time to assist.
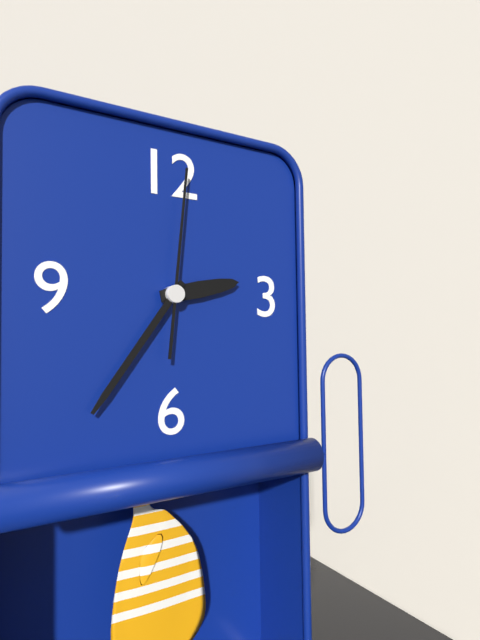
2:36:01
